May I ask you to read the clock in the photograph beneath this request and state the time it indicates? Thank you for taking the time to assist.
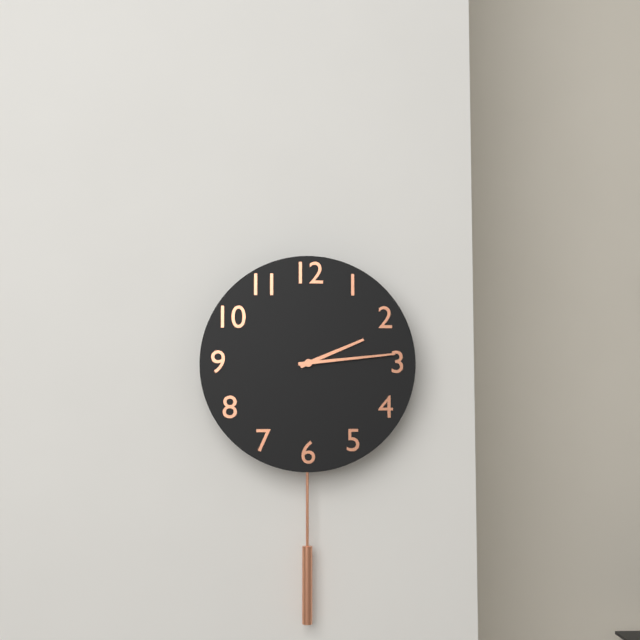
2:14
